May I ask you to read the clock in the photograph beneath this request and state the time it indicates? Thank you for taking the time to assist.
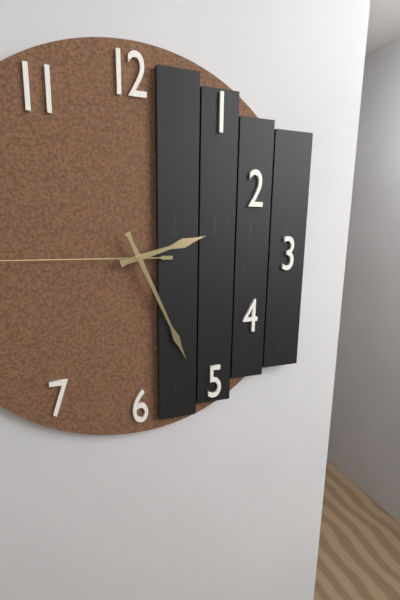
2:26
